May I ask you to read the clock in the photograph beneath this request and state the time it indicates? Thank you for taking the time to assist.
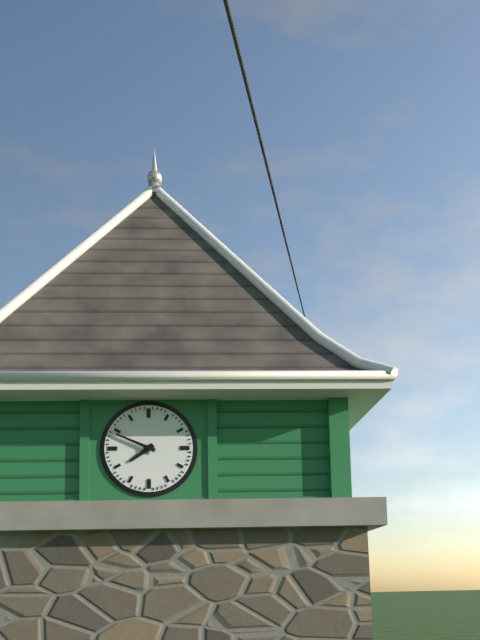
7:49
